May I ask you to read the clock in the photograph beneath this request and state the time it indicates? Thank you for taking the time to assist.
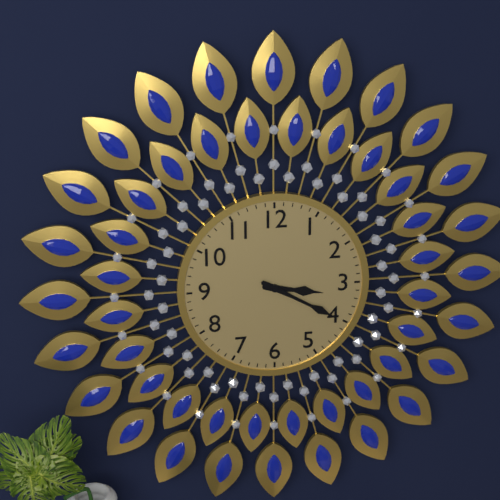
3:20
